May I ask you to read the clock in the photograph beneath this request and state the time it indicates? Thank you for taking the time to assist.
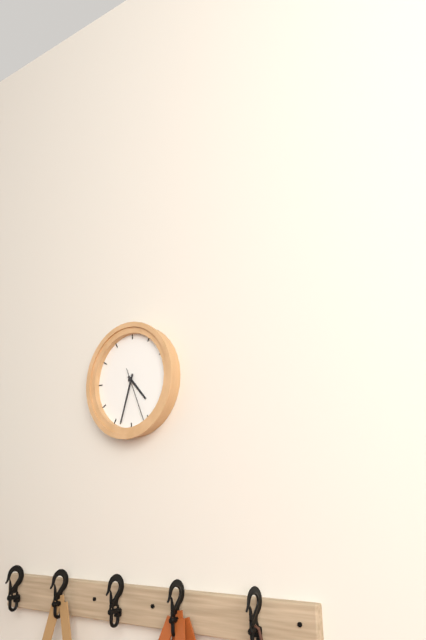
4:33:26
